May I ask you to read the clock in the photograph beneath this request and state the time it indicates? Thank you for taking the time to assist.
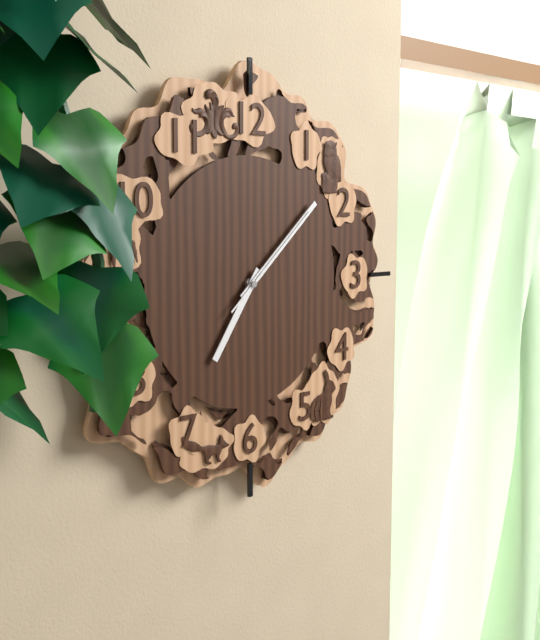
7:08:08
